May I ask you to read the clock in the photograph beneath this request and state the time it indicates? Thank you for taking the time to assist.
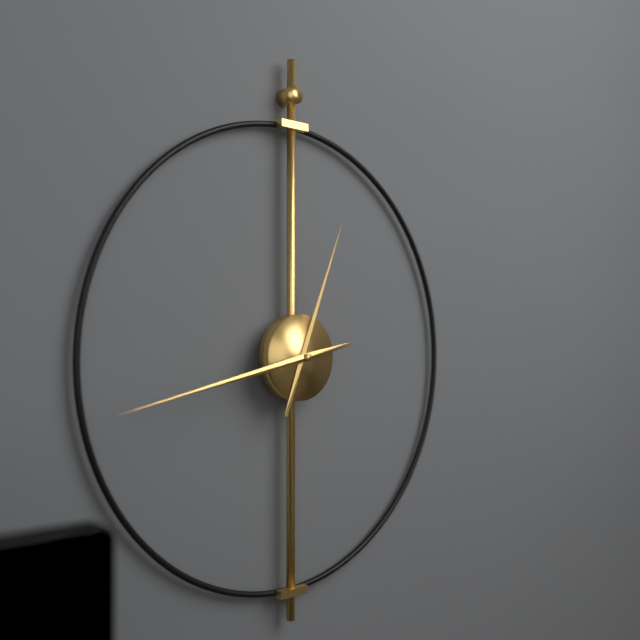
12:43
